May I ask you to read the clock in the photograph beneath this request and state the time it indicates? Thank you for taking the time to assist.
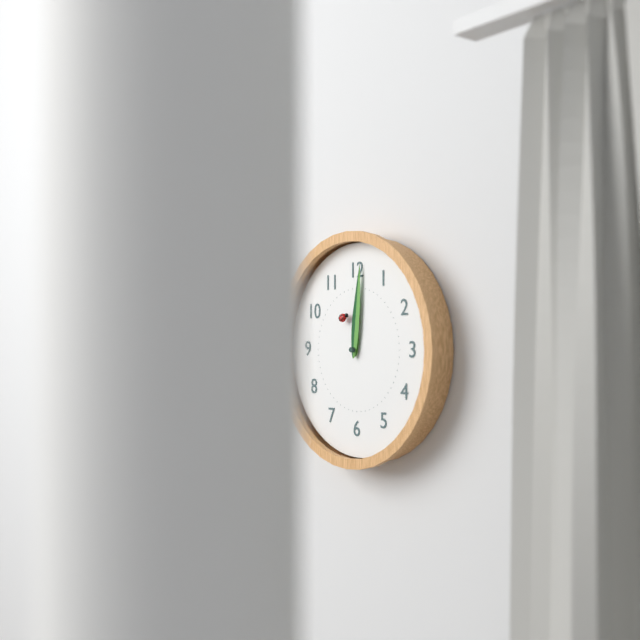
12:01:56
